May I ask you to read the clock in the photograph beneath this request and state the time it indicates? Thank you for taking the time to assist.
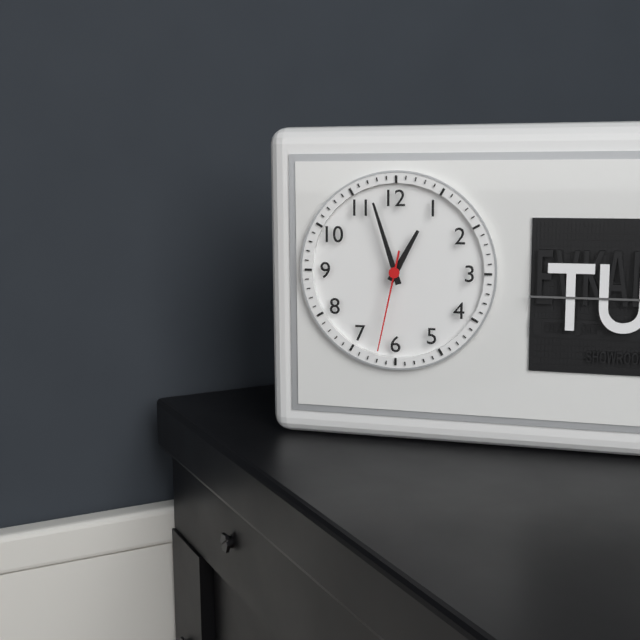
12:57:32
